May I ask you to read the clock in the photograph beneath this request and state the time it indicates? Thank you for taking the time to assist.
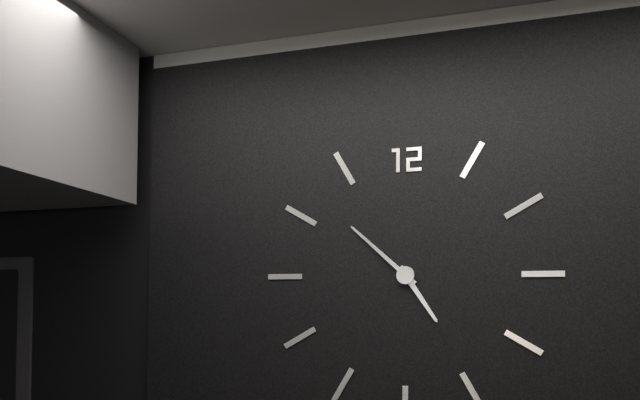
4:52
